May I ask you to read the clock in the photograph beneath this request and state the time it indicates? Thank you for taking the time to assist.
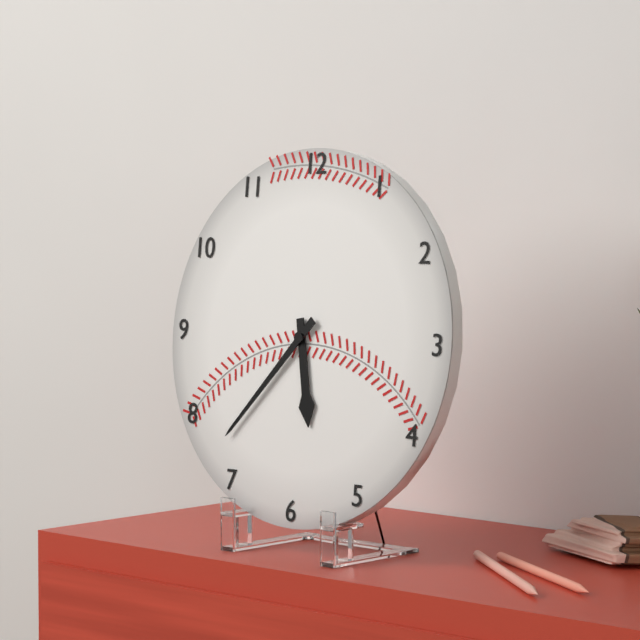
5:37
